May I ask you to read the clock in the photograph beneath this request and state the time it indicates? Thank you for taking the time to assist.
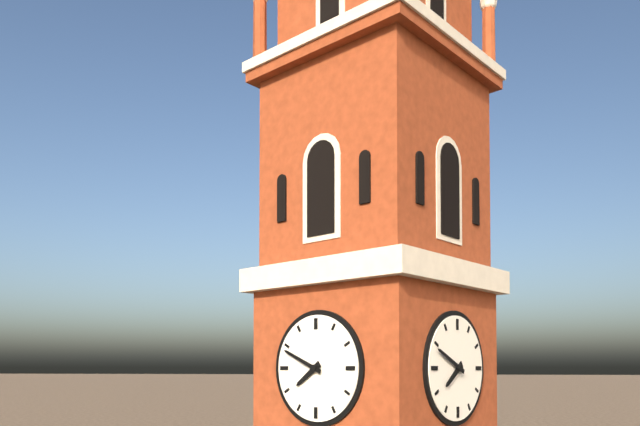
7:49
